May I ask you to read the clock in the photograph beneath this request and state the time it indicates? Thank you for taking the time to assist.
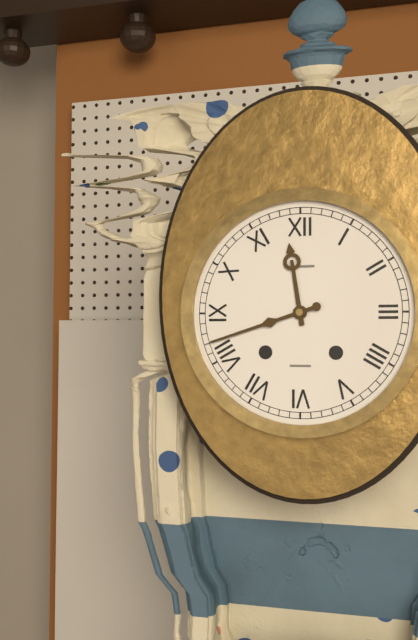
11:42
